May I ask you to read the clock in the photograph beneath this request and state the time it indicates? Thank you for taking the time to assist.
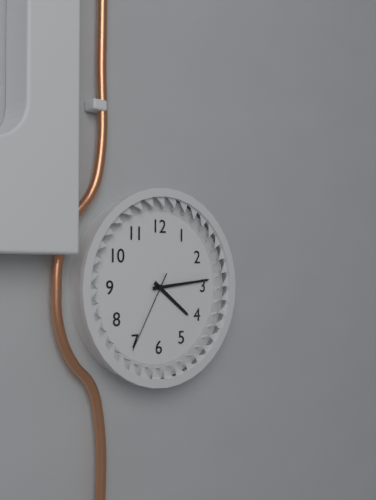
4:14:35
